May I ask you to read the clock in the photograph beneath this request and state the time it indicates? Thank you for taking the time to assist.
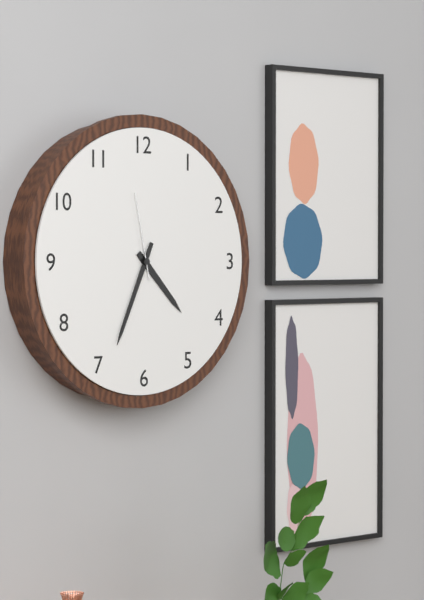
4:34:58
